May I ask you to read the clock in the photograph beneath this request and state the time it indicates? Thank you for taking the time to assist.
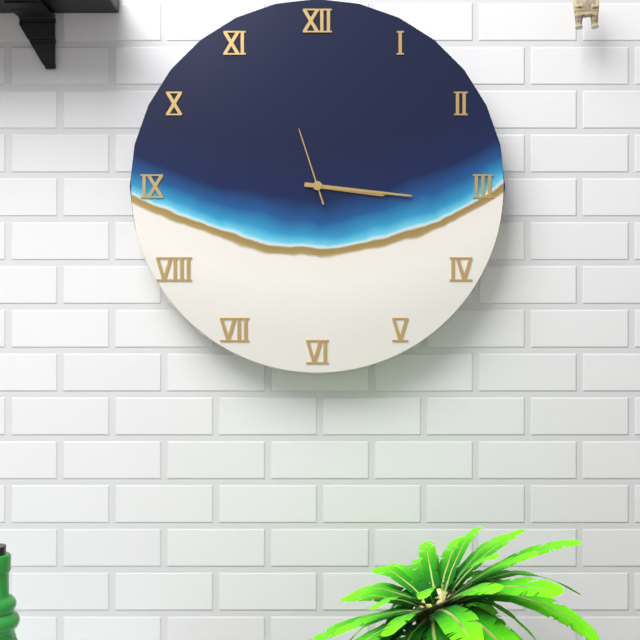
3:16:57
